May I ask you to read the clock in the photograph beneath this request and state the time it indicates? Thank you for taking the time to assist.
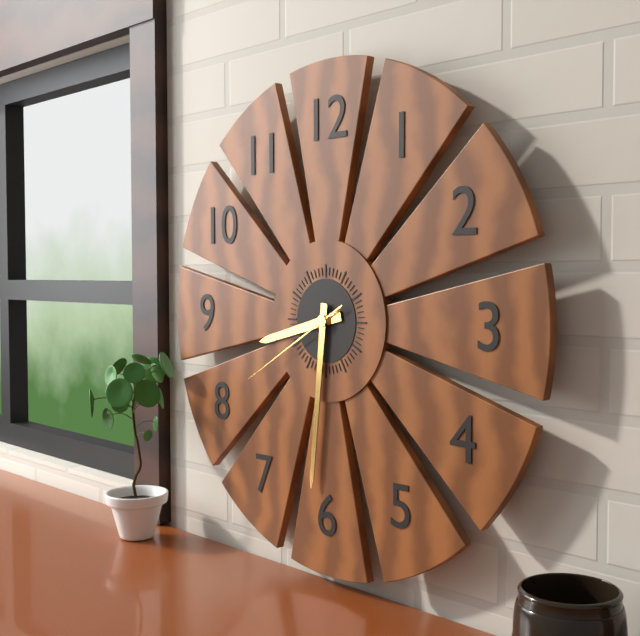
8:31:40
